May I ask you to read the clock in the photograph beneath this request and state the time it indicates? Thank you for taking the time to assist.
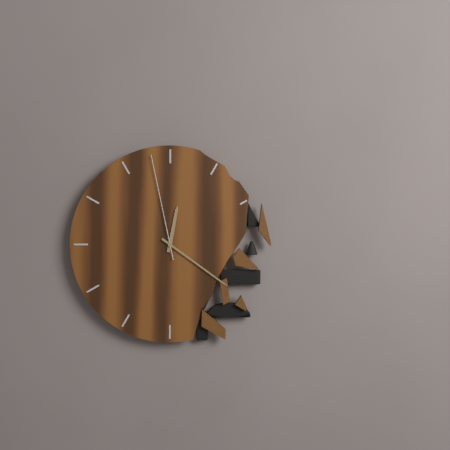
12:21:58
